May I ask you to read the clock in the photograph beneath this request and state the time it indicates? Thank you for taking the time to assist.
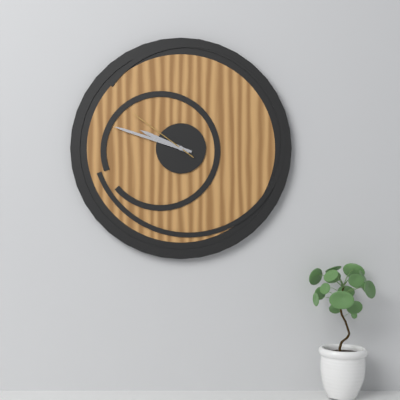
9:48:51
